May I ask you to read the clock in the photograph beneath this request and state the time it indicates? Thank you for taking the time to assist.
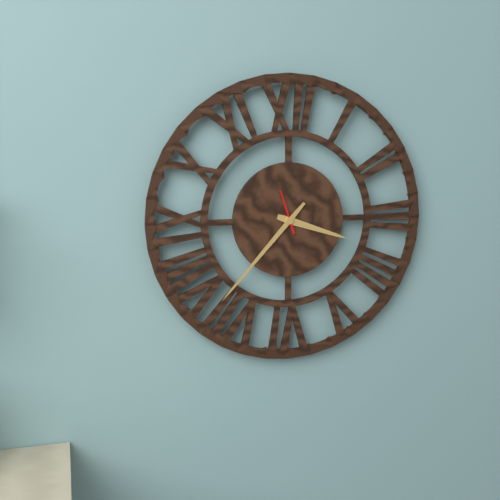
3:37
